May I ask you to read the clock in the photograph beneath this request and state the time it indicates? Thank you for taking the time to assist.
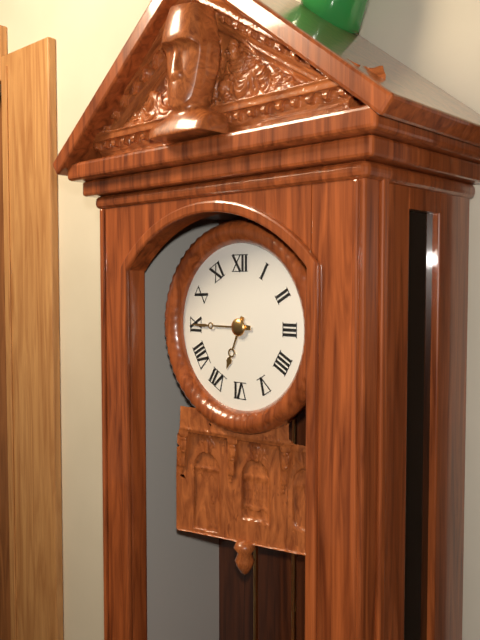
6:45
